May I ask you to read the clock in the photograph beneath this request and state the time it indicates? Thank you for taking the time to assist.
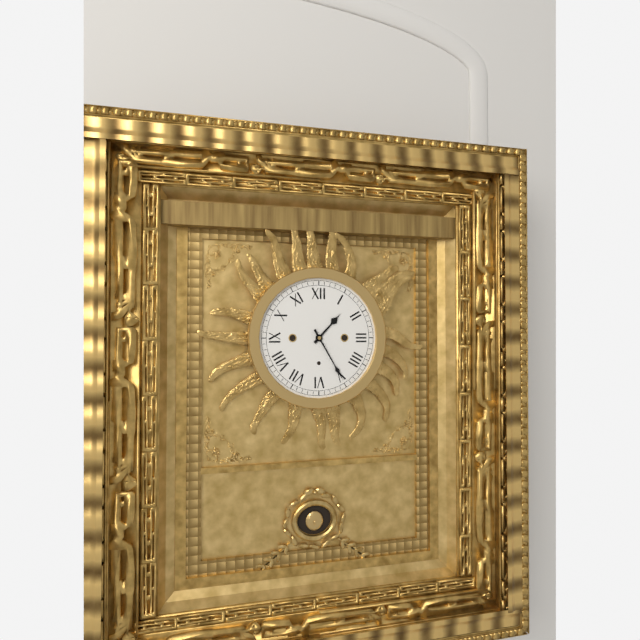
1:25
